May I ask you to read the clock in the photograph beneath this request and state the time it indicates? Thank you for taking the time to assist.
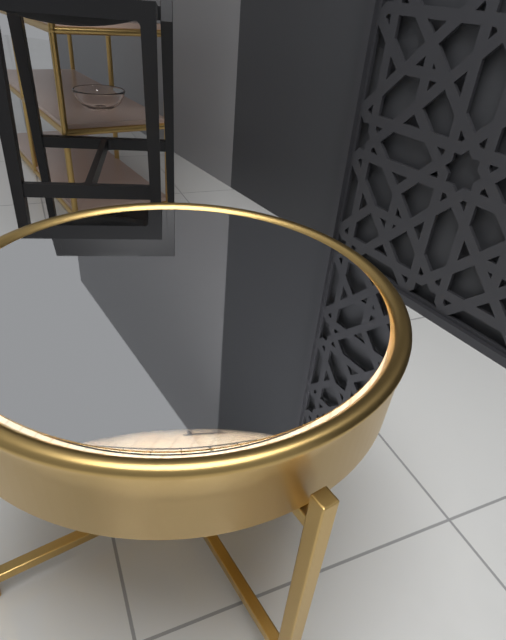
11:43
